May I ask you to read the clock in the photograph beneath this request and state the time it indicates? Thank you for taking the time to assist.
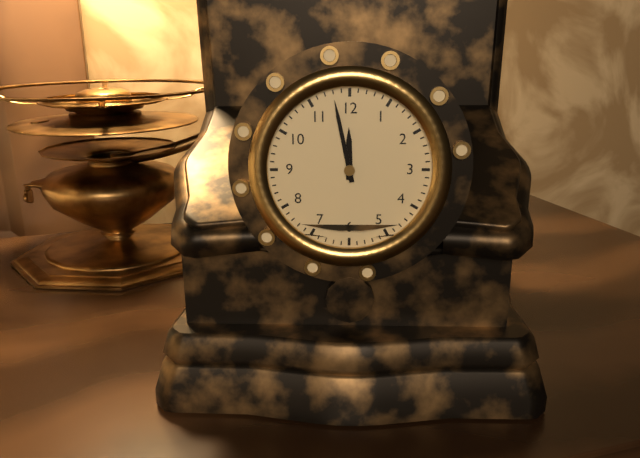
11:58
